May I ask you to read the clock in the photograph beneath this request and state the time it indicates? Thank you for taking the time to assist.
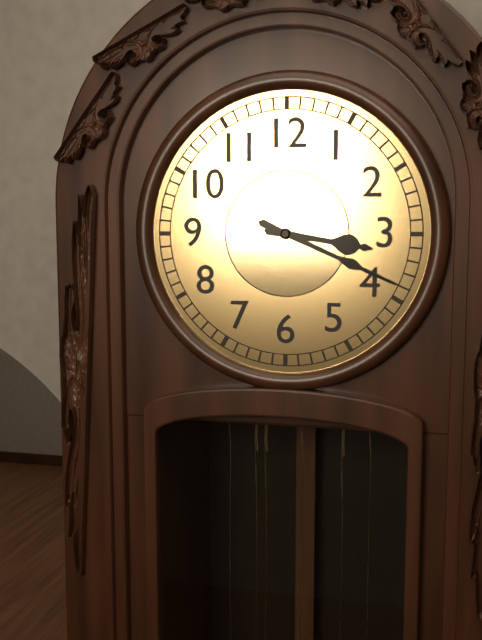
3:19
